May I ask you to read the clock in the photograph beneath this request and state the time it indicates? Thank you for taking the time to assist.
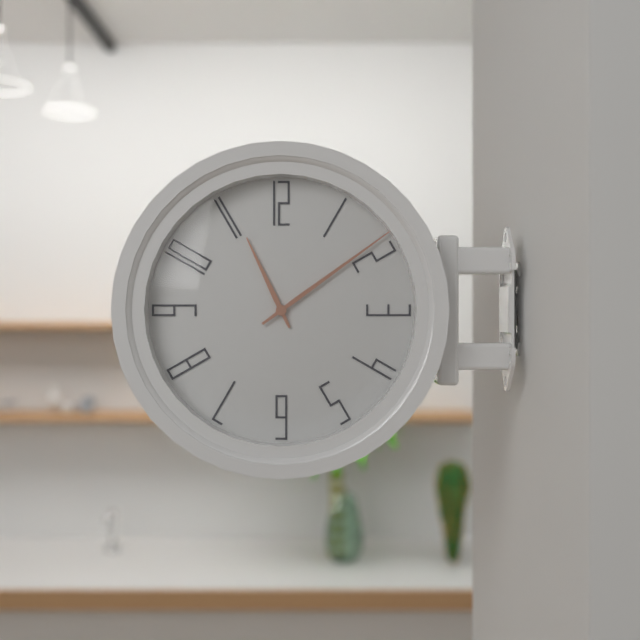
11:09
